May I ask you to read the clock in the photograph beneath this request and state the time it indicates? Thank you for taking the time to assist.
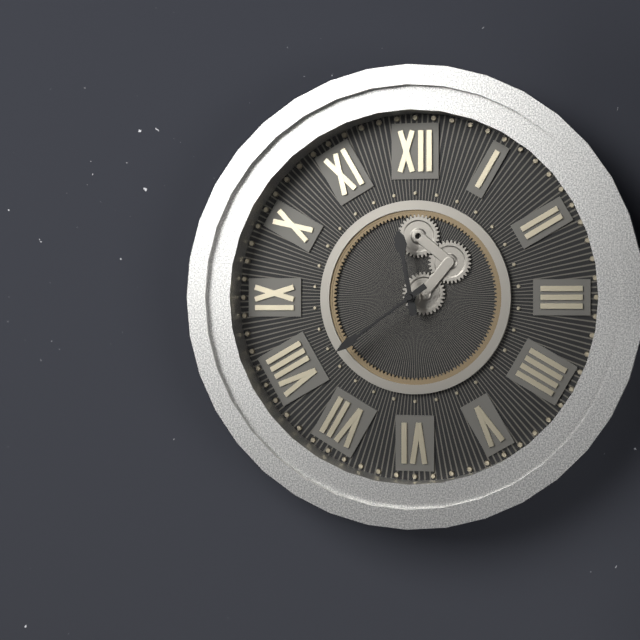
11:39
